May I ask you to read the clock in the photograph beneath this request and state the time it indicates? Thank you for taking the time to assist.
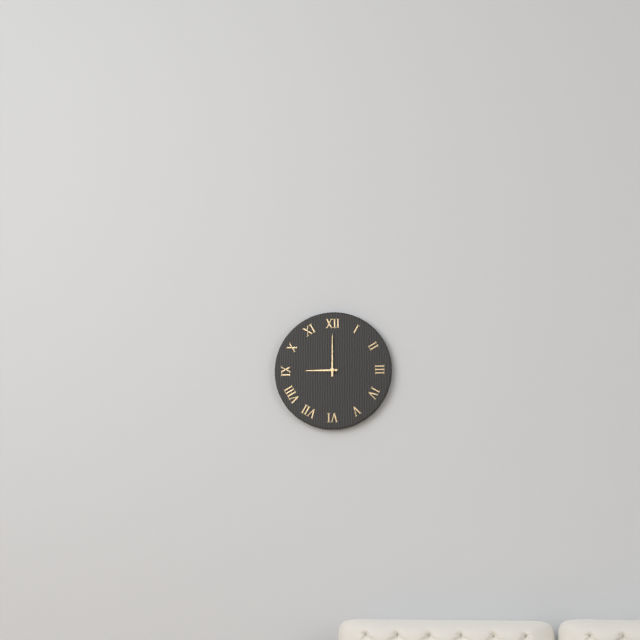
9:00
